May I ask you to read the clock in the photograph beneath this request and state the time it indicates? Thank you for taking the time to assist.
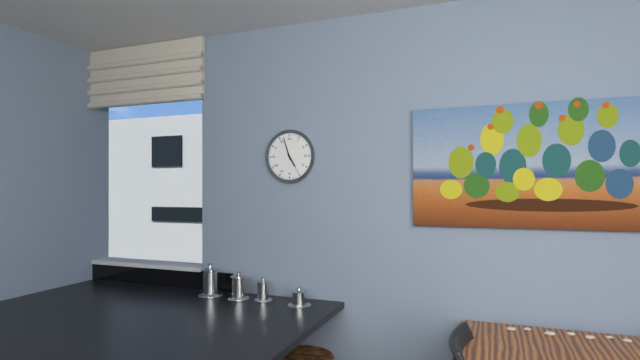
4:57
